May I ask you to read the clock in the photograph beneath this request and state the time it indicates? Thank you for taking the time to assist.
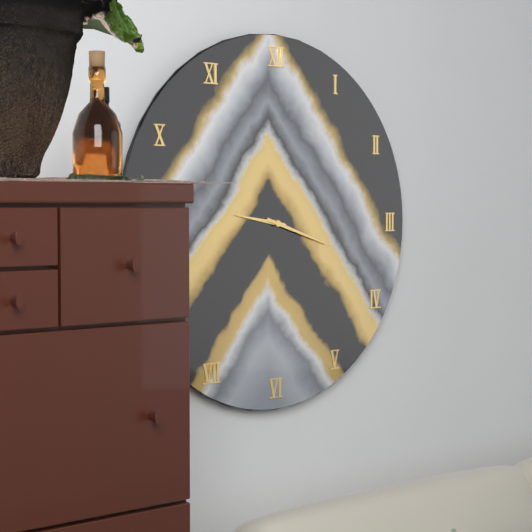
9:18
